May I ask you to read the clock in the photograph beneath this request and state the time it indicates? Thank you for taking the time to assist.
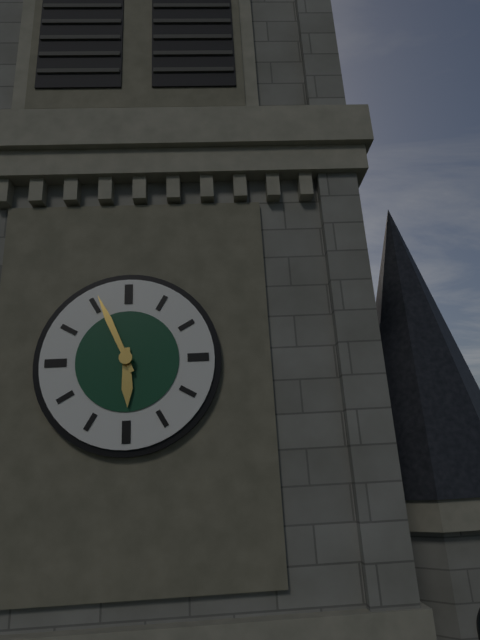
5:56
